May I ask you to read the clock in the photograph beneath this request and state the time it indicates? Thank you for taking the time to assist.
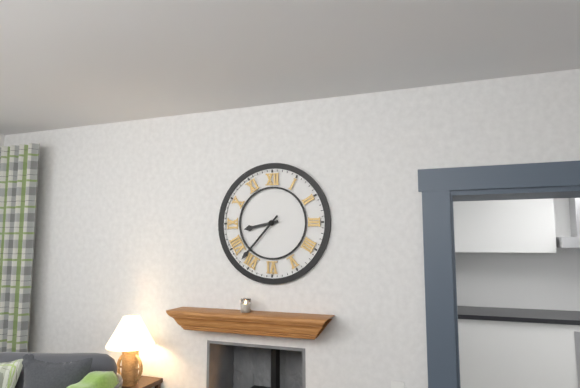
8:37
